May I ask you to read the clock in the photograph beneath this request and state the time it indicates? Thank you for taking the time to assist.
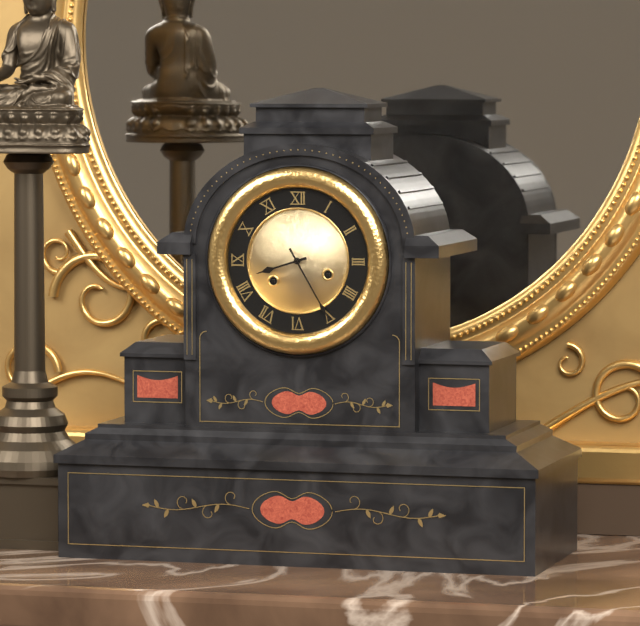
8:25
